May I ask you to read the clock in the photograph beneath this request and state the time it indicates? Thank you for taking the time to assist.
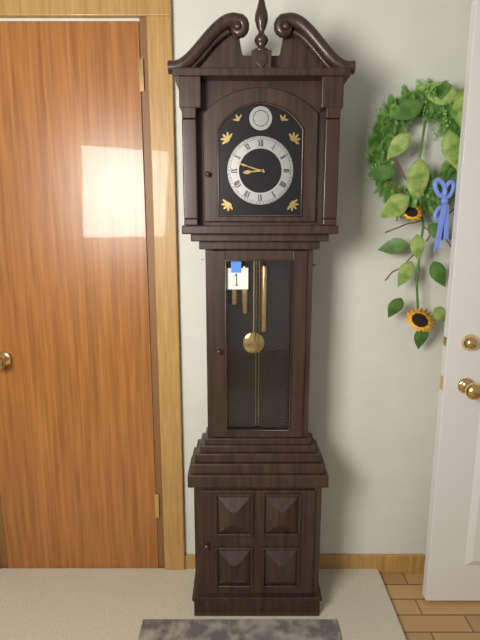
8:48
